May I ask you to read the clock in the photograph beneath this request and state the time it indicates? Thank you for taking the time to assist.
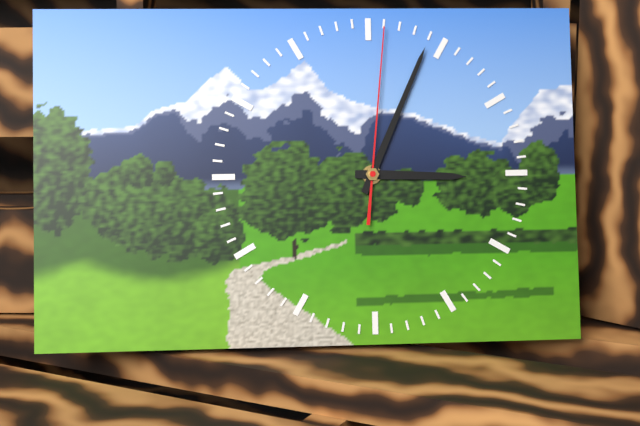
3:04:01
